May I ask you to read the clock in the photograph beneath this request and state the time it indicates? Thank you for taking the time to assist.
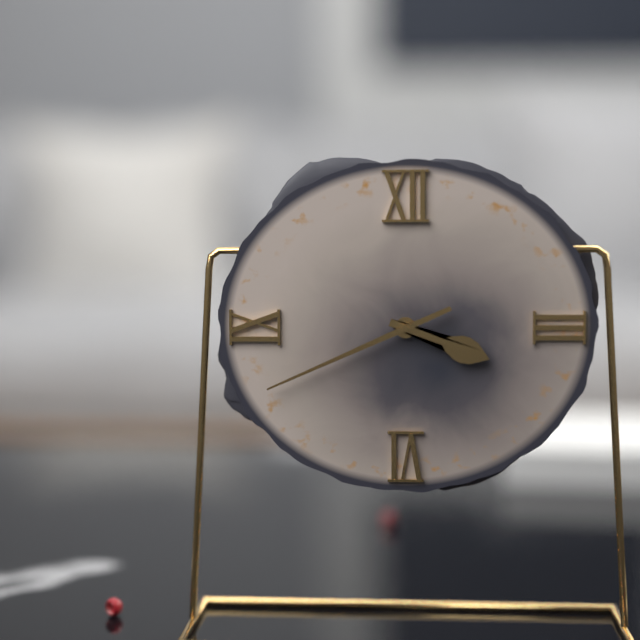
3:41
